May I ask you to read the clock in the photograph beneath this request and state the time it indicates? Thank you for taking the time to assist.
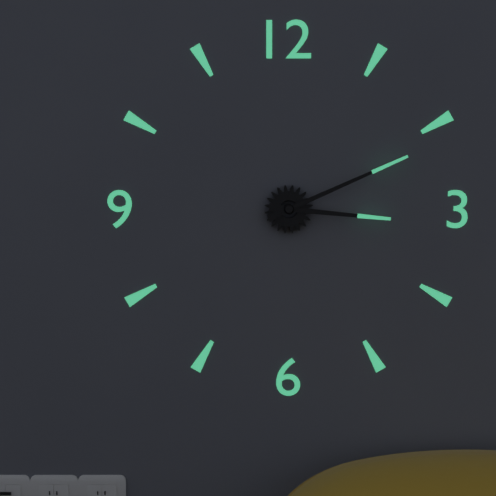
3:11
